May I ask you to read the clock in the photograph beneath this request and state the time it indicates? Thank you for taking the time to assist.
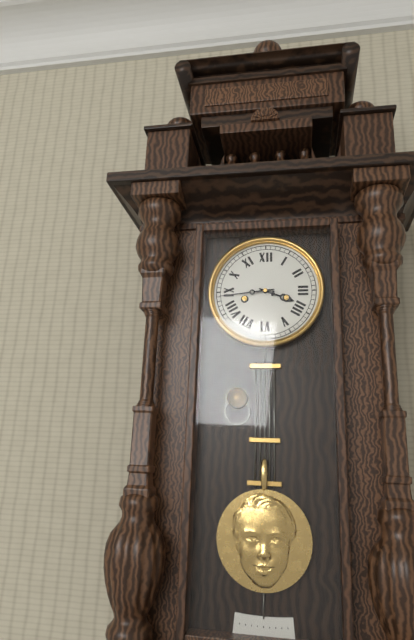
3:44
